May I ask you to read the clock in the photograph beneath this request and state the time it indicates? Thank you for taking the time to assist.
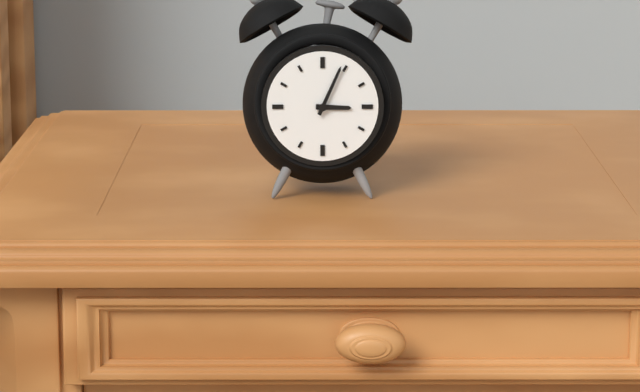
3:04
